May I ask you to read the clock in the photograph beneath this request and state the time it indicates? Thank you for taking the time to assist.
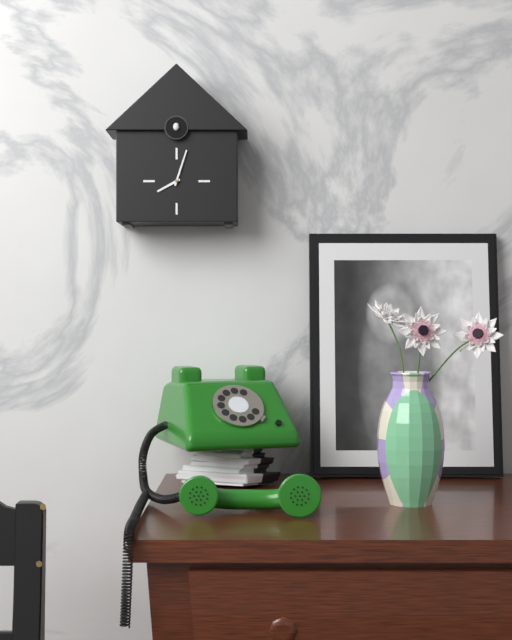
8:03
